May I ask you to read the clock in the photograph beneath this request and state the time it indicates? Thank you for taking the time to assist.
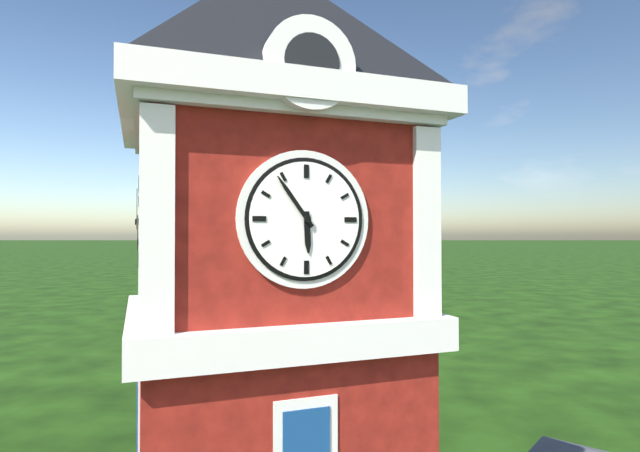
5:54
